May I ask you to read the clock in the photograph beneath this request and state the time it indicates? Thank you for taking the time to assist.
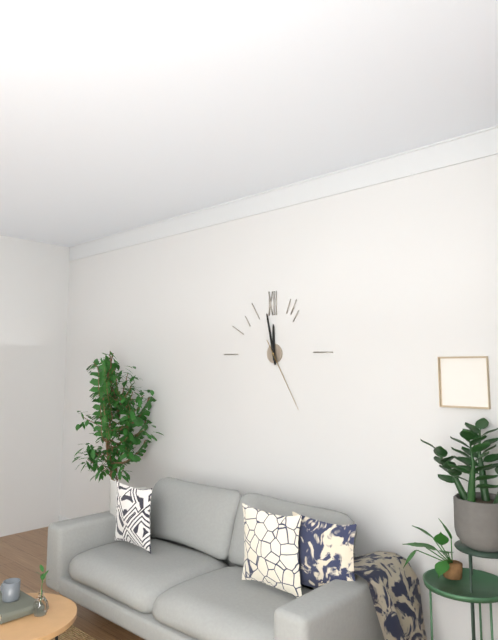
11:58:25
